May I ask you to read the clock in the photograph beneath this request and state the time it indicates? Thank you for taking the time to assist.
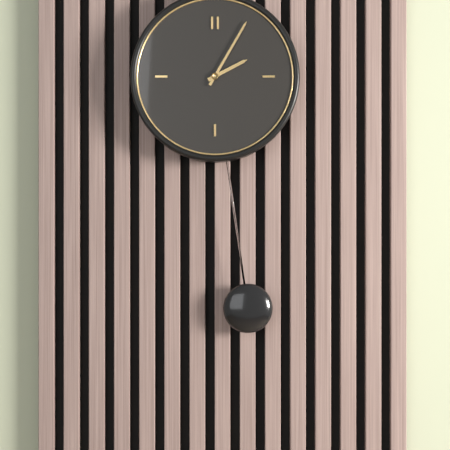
2:05
